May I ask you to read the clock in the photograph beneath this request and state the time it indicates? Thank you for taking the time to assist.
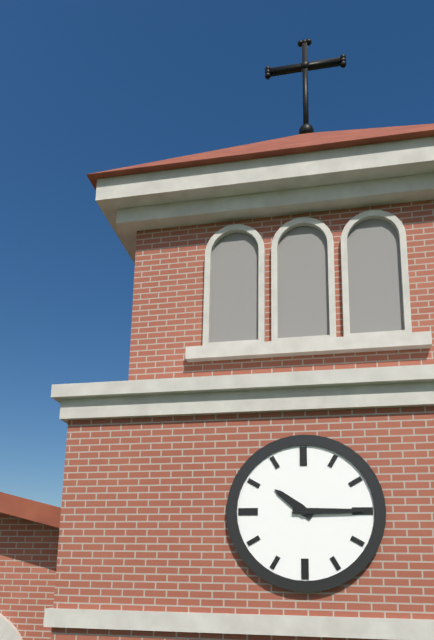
10:15
